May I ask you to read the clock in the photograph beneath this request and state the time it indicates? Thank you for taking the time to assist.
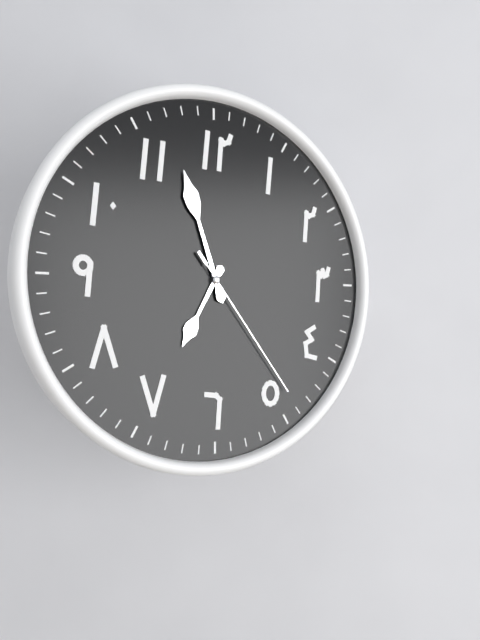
6:57:24
